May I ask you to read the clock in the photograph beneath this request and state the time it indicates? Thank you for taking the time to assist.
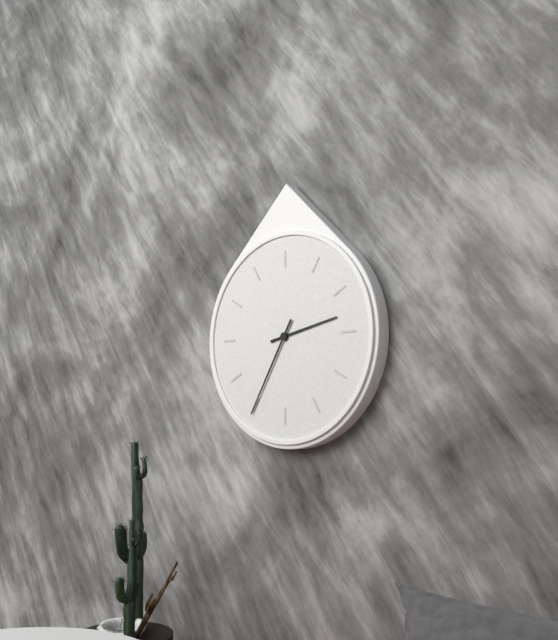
2:35
